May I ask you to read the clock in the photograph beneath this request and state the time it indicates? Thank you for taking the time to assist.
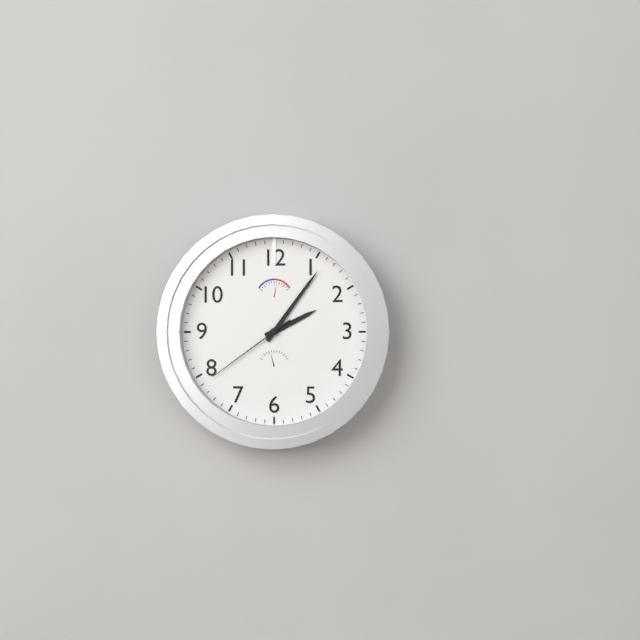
2:06:39
